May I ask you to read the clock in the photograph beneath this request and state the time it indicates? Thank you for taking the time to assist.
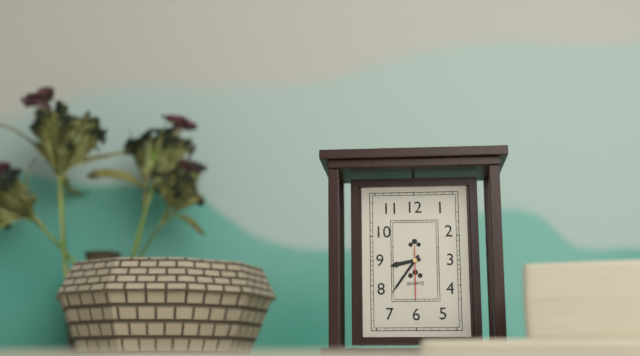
8:36:30
